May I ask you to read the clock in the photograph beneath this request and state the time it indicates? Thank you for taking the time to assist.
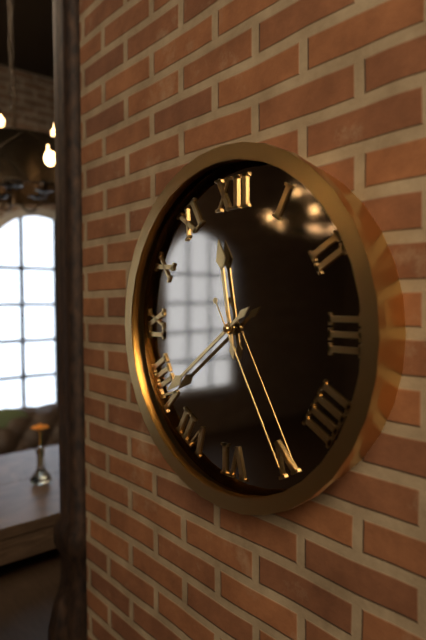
11:39:25
